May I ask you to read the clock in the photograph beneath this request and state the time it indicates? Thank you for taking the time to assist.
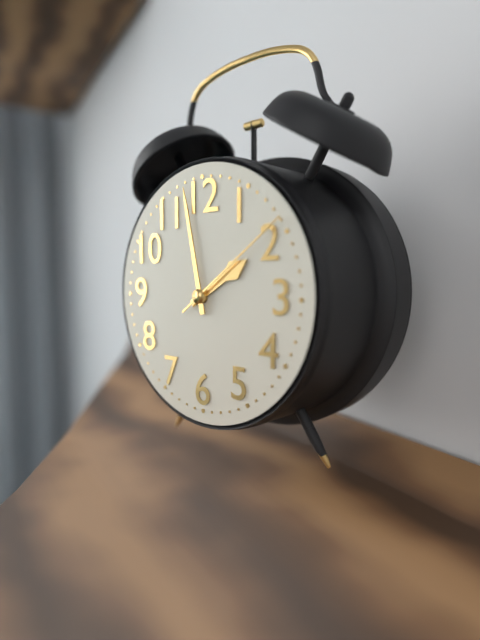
1:58:09
